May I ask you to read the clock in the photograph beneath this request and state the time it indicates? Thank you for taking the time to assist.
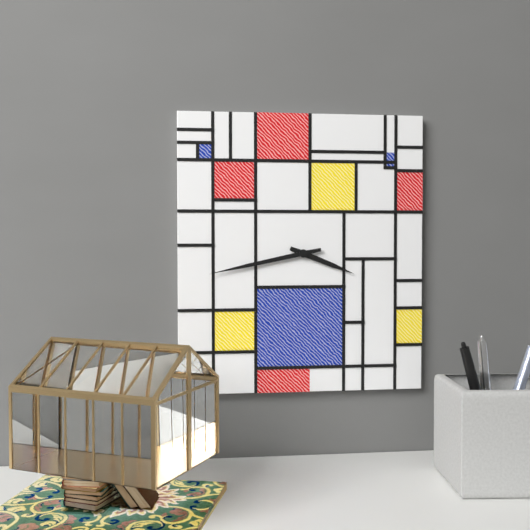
3:43
